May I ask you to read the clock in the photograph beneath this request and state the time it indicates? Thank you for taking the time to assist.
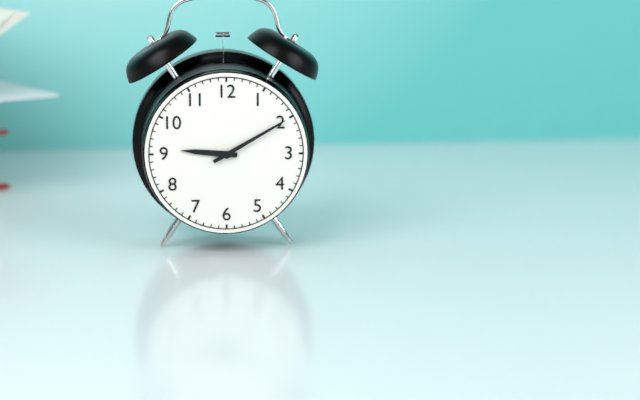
9:10
